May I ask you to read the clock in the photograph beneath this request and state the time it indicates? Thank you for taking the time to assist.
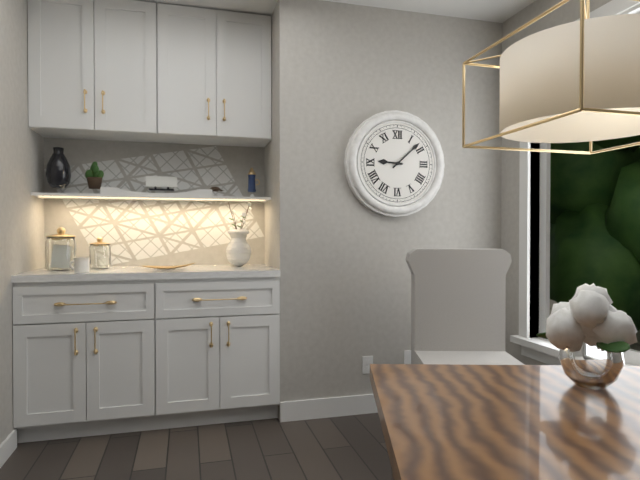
9:08
